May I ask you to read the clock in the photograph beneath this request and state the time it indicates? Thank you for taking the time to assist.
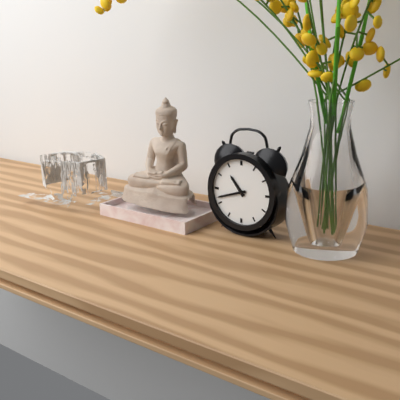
10:42
